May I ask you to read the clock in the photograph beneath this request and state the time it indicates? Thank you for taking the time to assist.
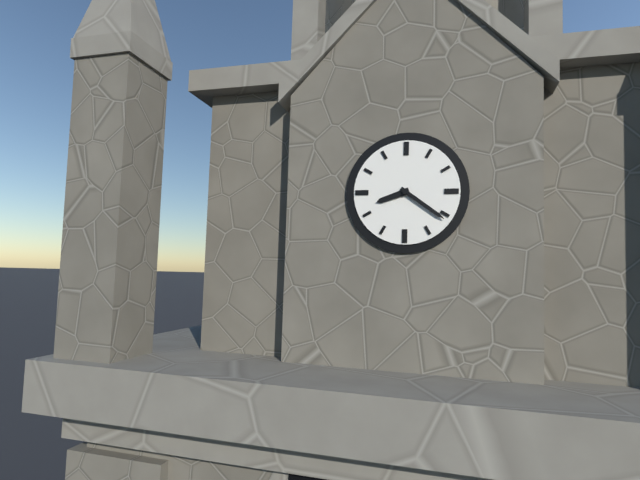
8:21
